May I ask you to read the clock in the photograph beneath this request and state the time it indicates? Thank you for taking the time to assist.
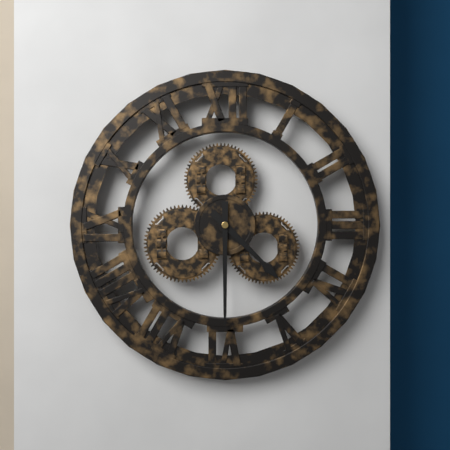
4:30
